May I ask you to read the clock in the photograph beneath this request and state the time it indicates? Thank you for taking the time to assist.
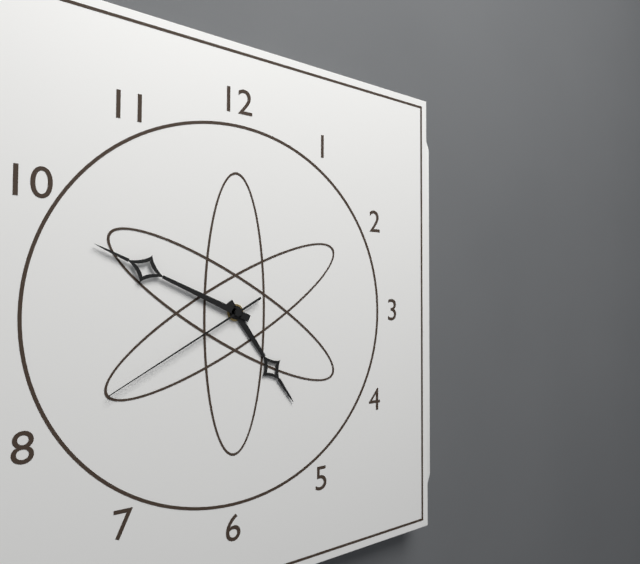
4:49:40
